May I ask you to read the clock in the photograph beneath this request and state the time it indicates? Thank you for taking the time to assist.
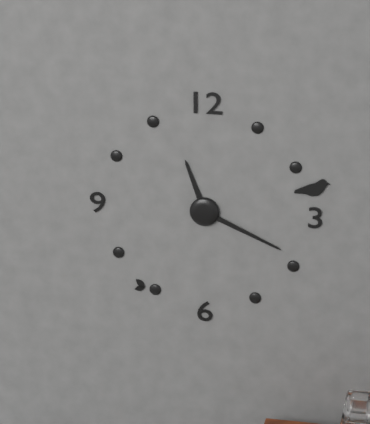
11:19
